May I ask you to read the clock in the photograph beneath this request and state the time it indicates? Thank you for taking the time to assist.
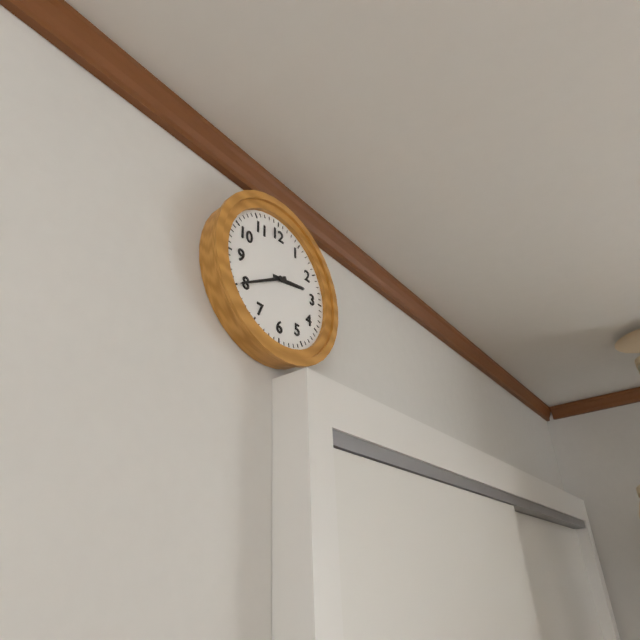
2:40
